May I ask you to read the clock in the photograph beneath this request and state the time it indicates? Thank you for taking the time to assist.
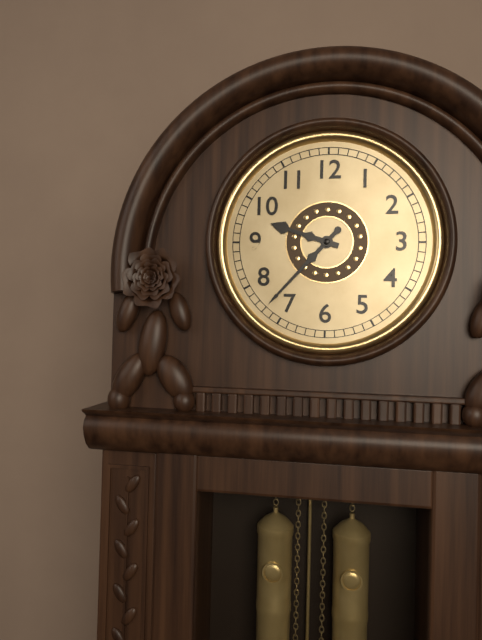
9:37
